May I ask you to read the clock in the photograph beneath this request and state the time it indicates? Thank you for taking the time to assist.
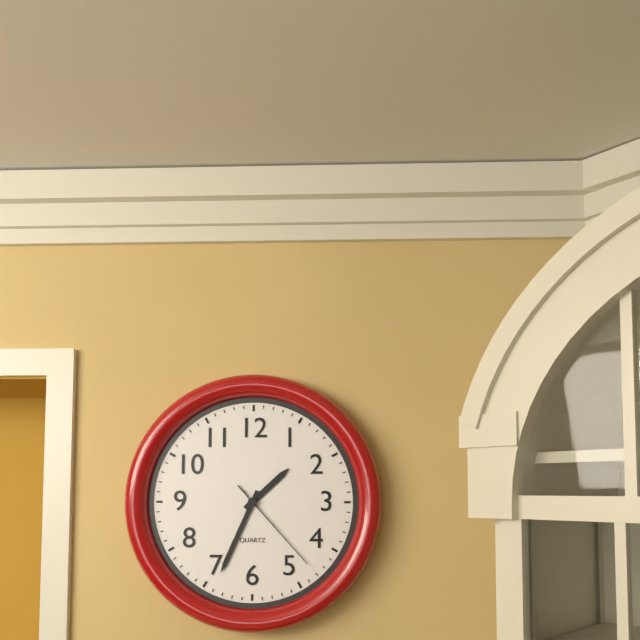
1:34:23
